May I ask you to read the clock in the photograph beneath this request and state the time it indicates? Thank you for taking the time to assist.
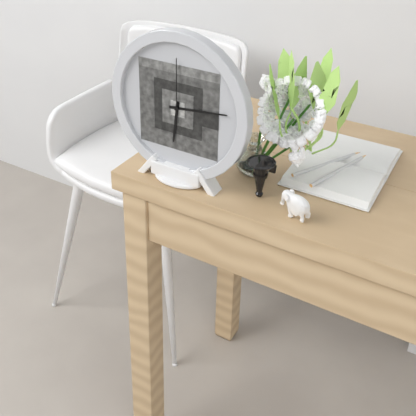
6:14:00
